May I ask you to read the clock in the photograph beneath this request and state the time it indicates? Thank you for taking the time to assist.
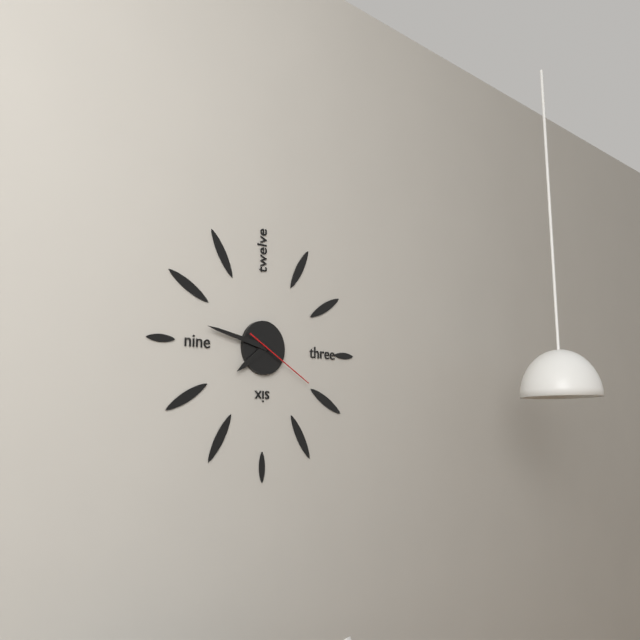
7:47:20
